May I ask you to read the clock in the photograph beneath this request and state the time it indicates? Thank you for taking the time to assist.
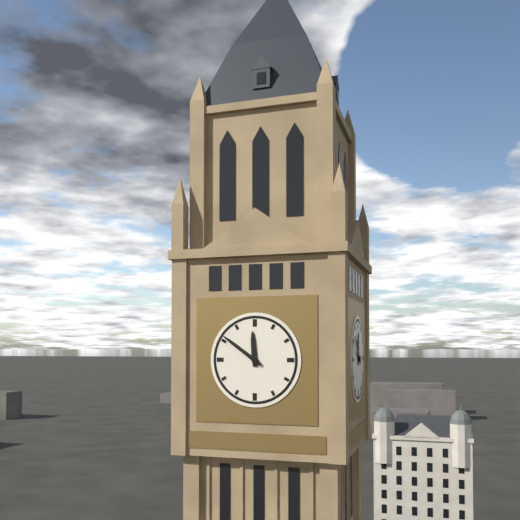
11:51
